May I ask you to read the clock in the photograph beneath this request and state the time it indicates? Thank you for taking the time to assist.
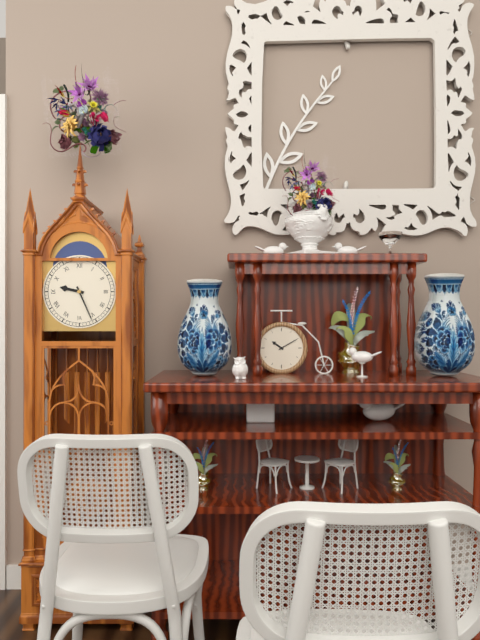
9:26
